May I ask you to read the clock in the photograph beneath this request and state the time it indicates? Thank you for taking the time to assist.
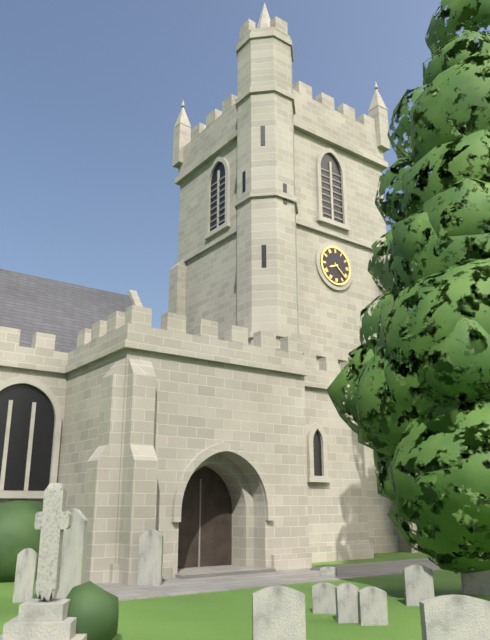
8:22
